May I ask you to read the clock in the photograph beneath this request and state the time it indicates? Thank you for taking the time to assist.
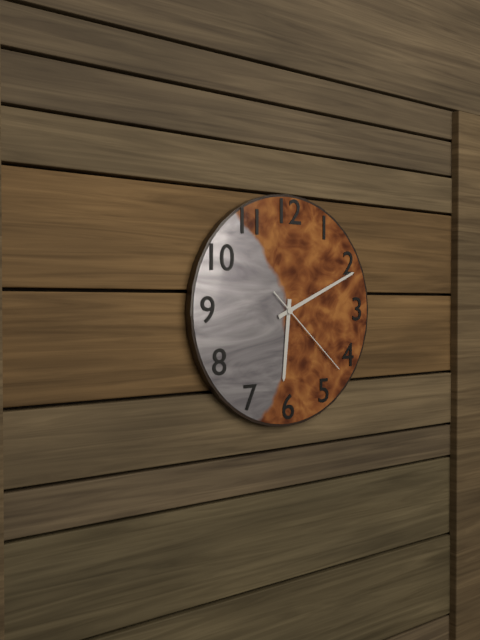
6:11:22
